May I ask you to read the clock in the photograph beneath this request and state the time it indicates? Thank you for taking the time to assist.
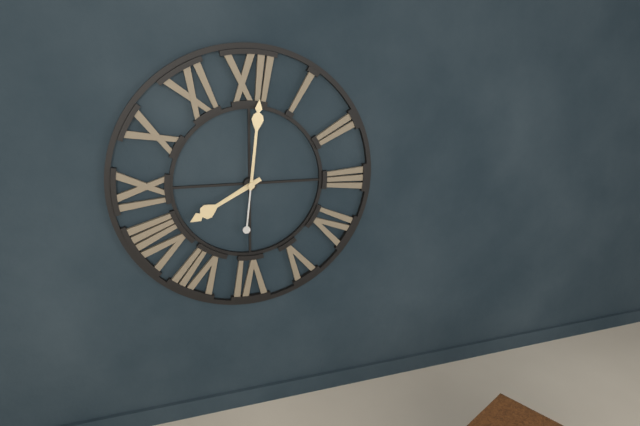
8:01
